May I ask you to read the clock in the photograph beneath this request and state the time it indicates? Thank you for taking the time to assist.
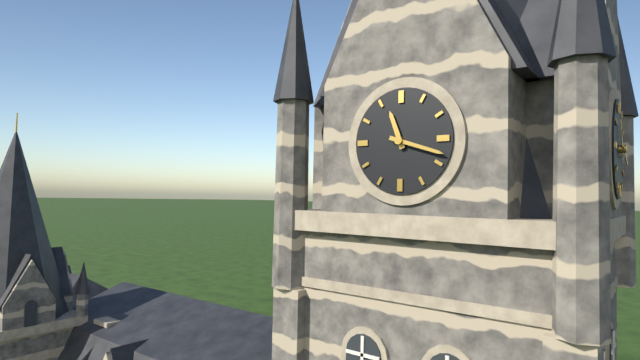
11:18
